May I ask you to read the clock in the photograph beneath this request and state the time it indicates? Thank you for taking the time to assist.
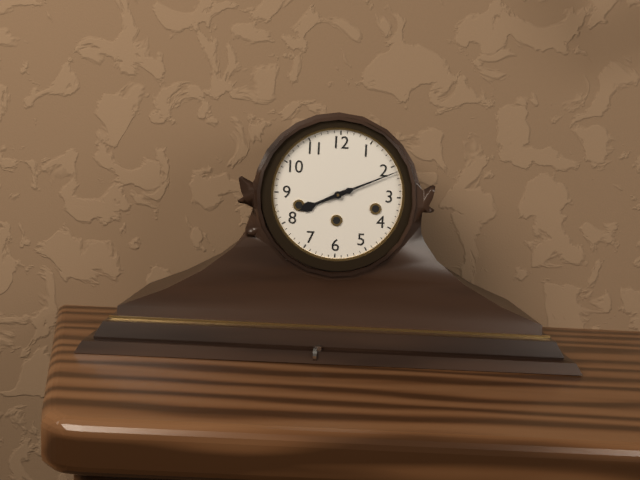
8:11
